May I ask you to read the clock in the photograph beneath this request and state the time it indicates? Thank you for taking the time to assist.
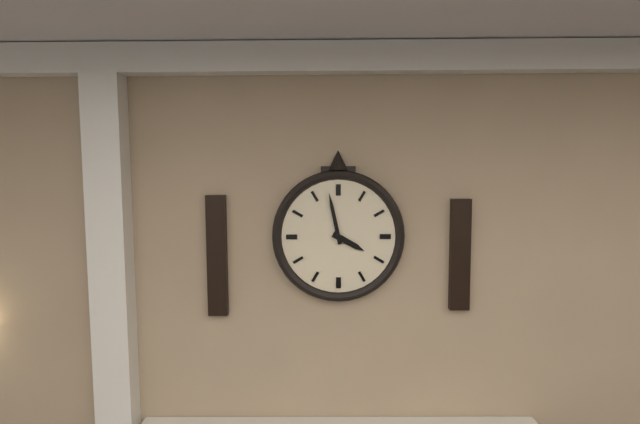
3:58
